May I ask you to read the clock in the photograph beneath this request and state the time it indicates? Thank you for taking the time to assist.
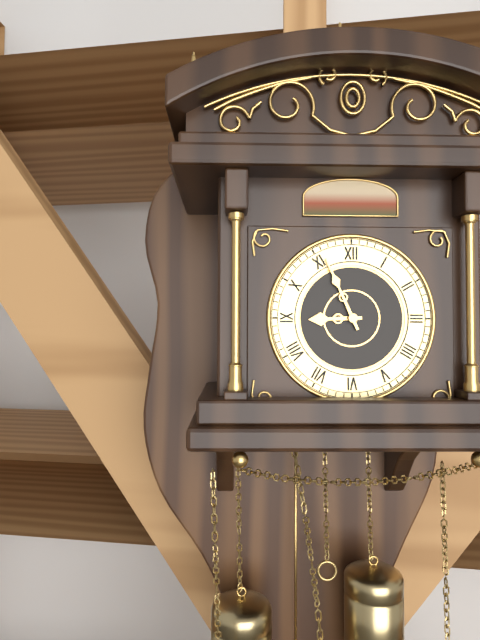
8:56
